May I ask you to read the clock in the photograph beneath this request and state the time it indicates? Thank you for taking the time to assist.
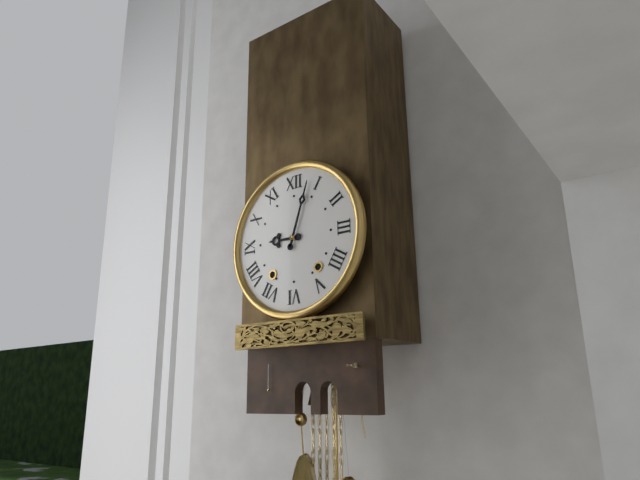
9:03
